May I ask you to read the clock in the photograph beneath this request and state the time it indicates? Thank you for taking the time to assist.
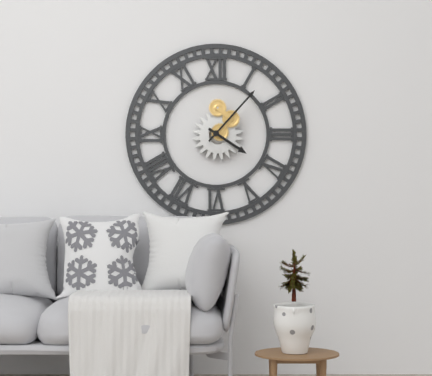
4:07
